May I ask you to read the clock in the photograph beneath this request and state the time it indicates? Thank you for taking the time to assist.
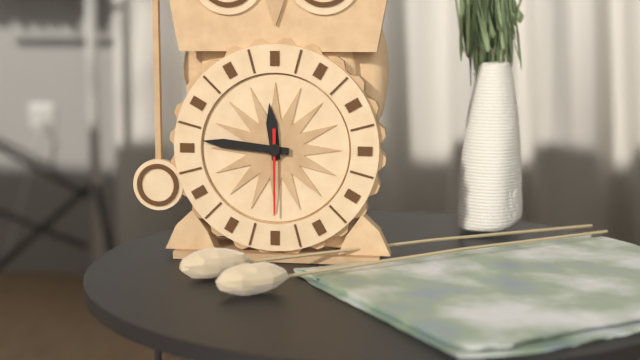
11:46:30
